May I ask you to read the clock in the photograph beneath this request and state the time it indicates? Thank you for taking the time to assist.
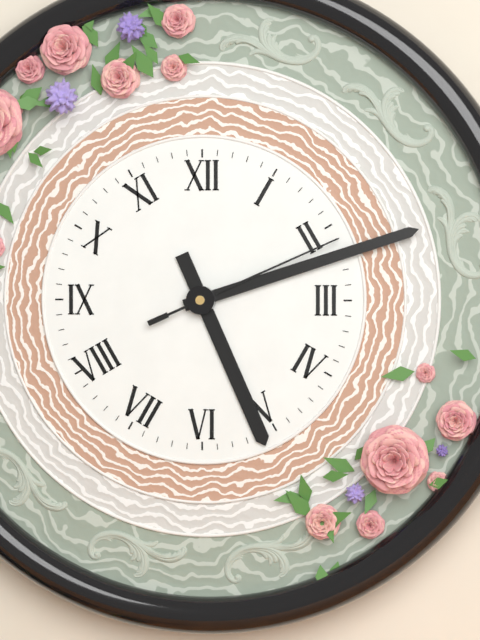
5:12:11
